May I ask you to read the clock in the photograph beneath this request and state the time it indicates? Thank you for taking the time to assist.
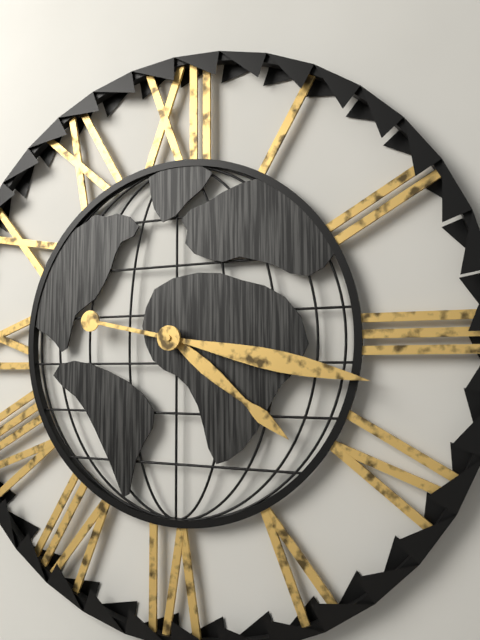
4:17
